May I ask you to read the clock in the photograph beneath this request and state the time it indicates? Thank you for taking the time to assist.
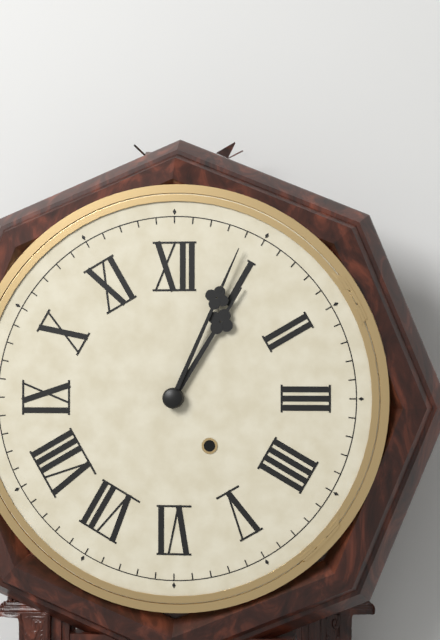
1:04
